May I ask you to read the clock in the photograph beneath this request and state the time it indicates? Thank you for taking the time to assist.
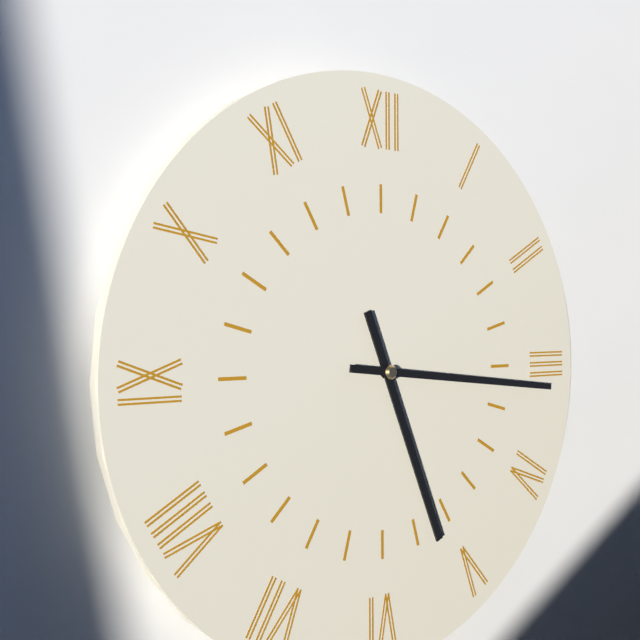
5:16
